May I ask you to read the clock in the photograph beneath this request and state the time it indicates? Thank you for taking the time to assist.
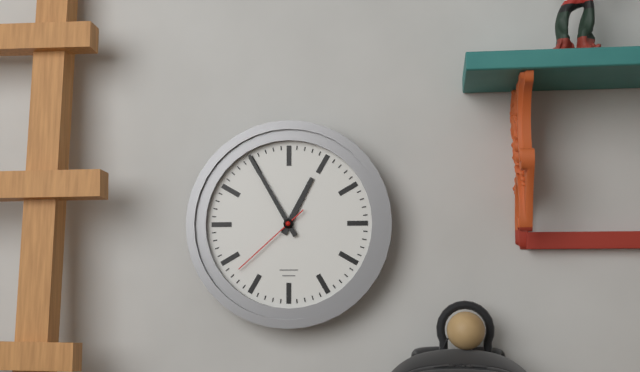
12:55:38
